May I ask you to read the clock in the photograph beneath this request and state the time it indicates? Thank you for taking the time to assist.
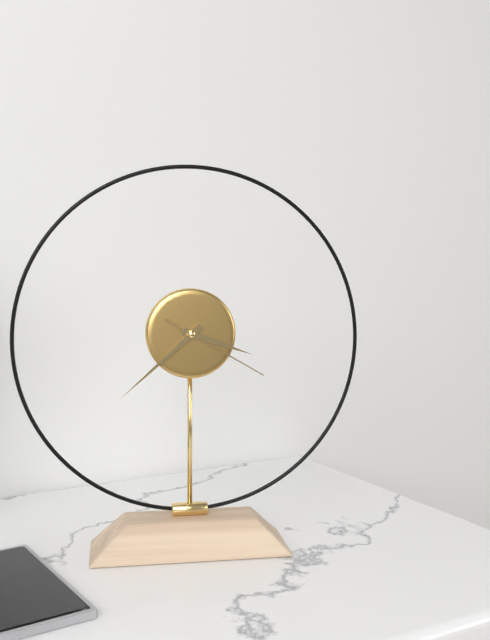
3:38:20
